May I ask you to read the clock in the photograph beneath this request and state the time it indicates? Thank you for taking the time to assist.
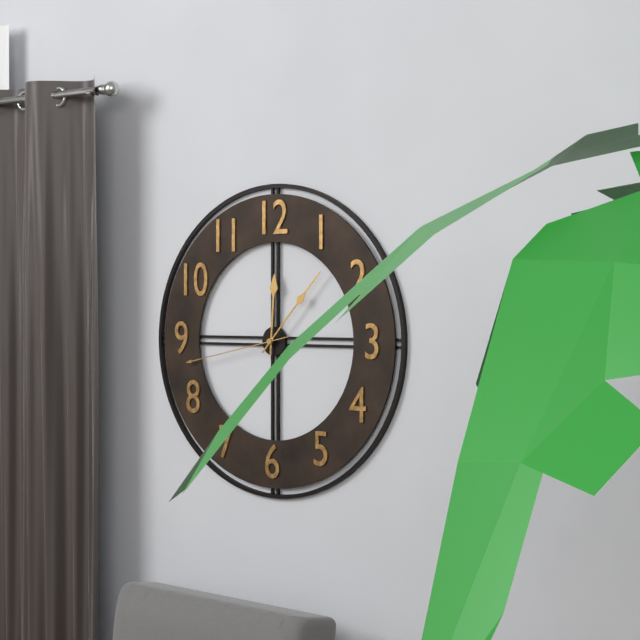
12:07:43
